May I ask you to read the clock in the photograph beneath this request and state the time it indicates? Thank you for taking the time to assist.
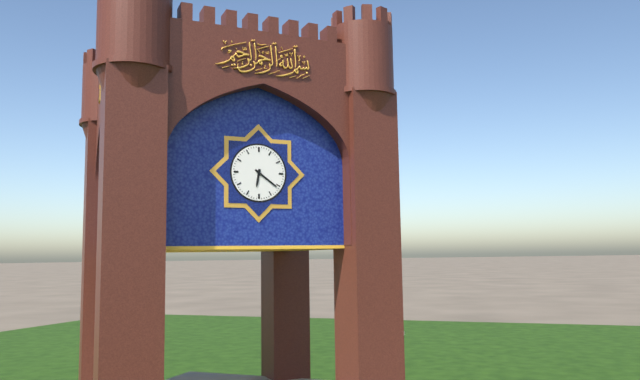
6:21
